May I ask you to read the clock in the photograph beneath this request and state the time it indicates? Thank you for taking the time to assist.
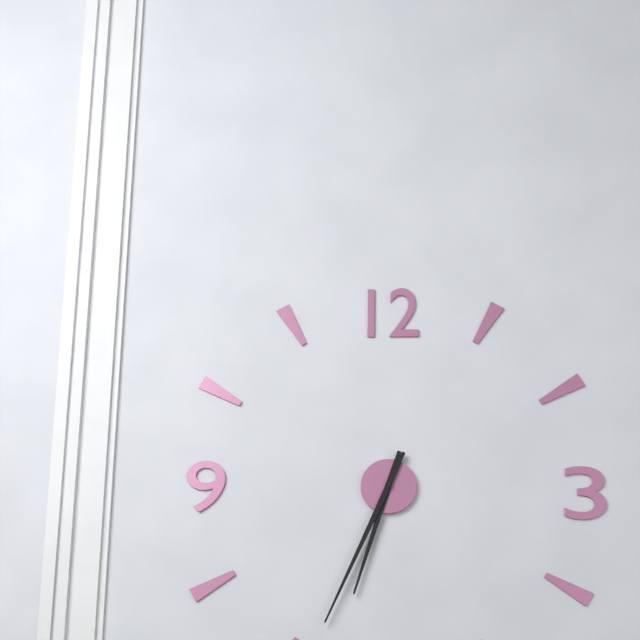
6:34
